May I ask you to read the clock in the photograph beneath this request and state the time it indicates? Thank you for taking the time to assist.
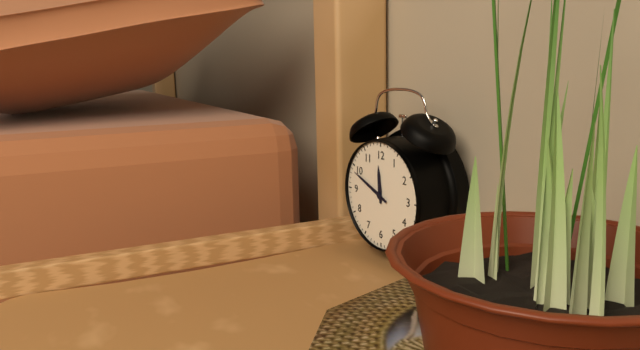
11:49
